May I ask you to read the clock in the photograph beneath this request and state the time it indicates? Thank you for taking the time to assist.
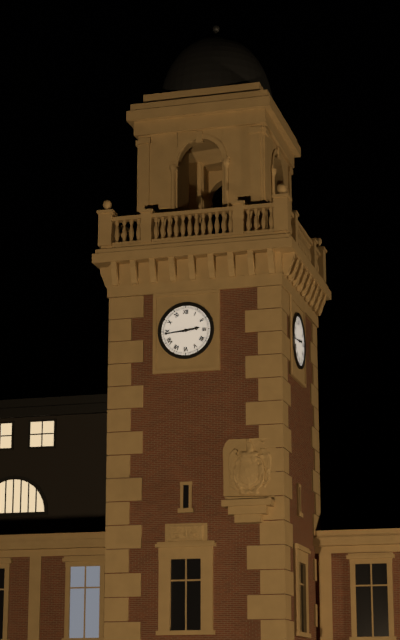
2:44
